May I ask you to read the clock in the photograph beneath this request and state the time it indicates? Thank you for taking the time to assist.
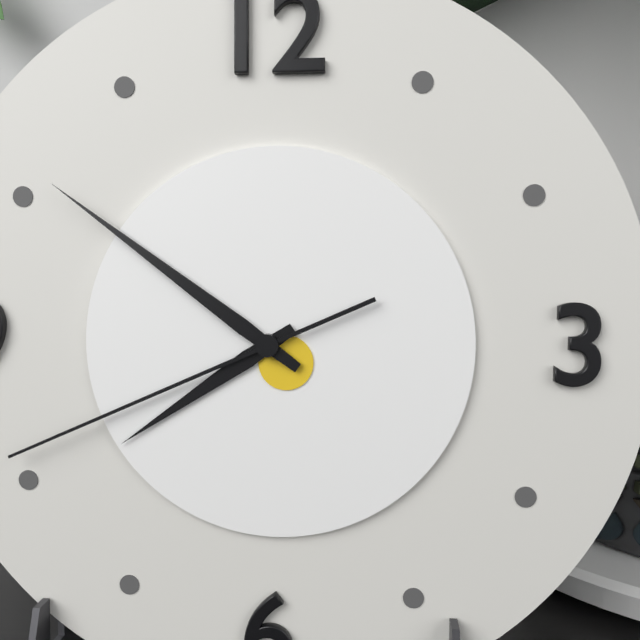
7:51:41
